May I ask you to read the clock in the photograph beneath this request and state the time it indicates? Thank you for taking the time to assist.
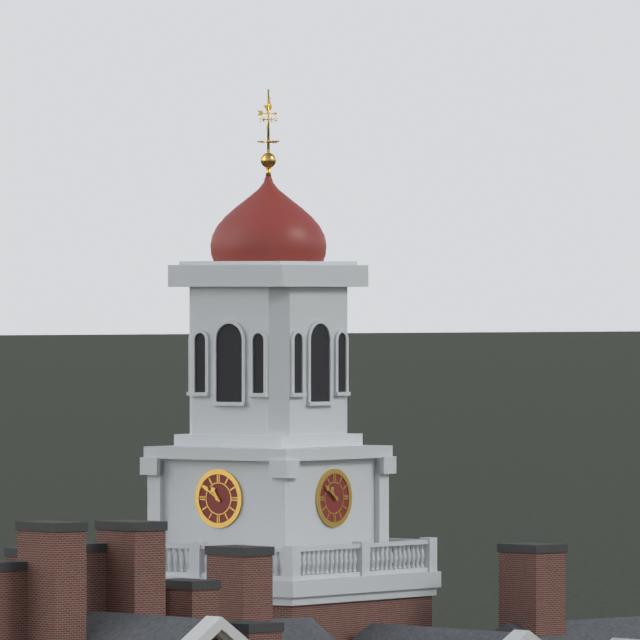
10:51
